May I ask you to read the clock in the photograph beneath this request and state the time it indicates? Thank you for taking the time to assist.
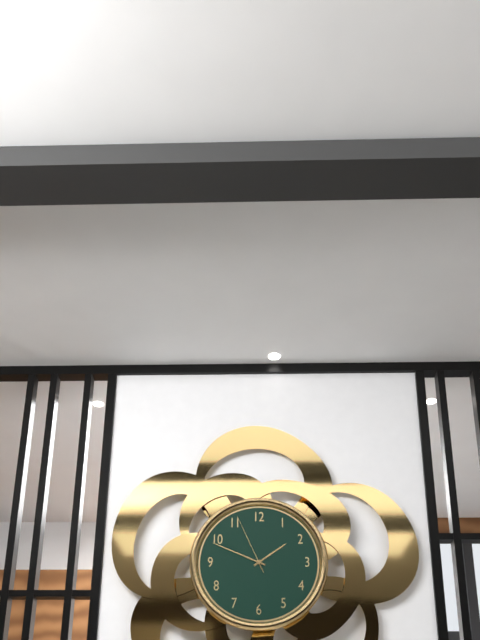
1:49:56
